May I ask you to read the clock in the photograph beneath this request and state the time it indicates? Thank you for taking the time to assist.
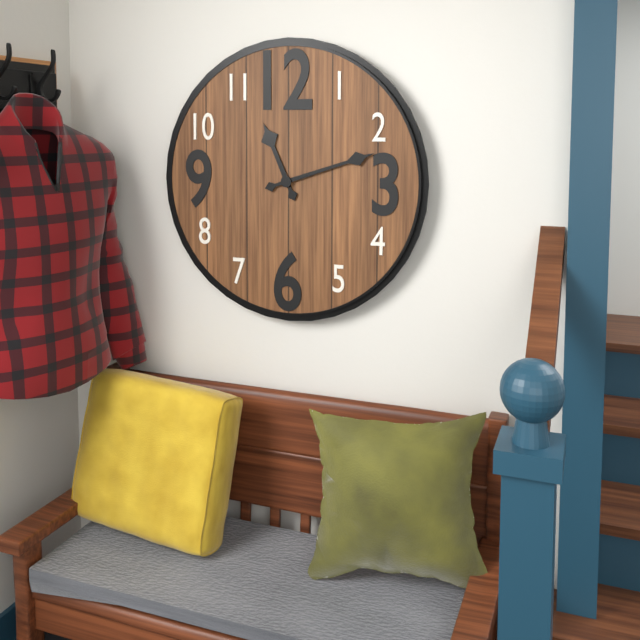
11:12
